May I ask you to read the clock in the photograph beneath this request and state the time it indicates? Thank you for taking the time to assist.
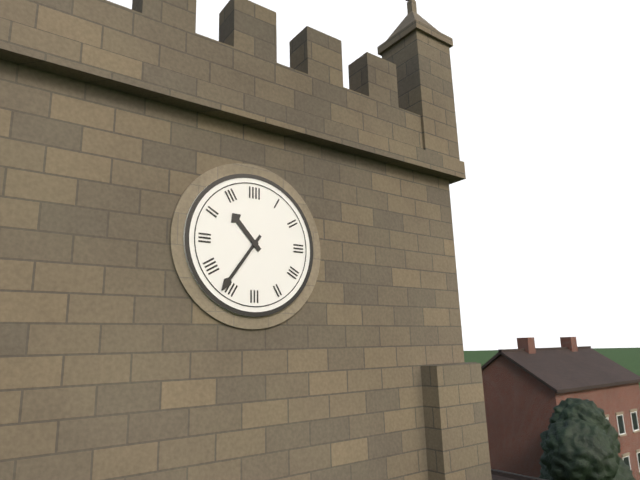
10:36
